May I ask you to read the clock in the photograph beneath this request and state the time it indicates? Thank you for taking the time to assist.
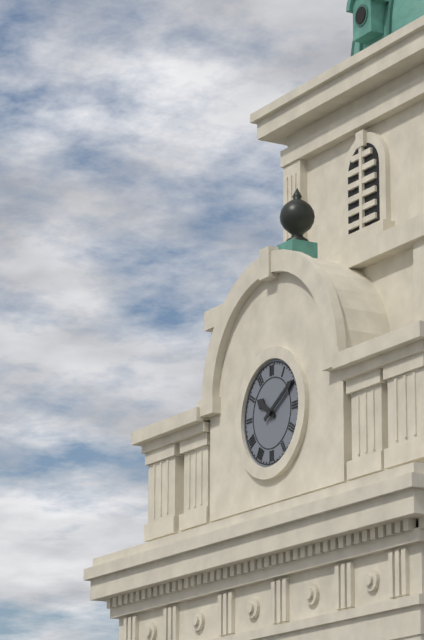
10:10
